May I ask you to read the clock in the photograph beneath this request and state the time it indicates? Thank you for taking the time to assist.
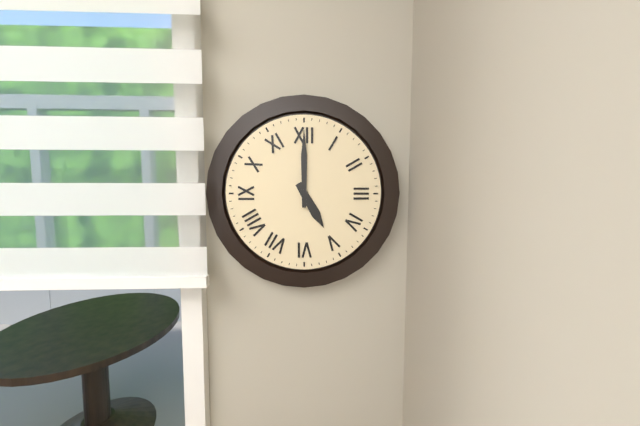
5:00
